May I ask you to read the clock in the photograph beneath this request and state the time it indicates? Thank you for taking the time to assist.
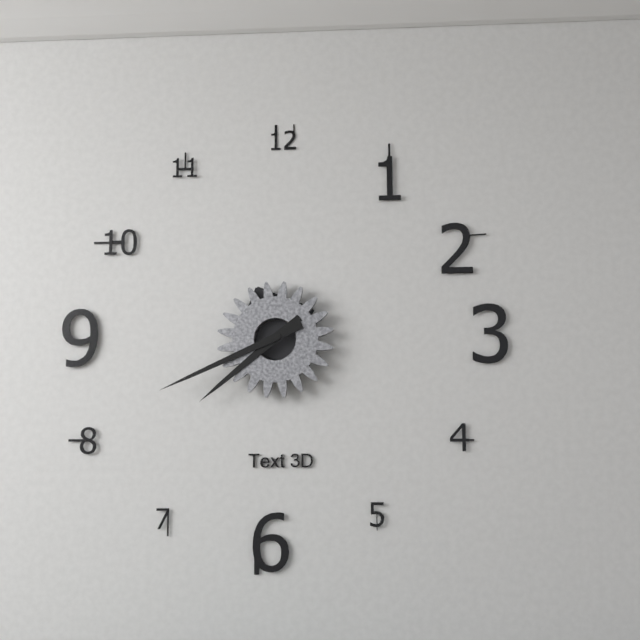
7:41
